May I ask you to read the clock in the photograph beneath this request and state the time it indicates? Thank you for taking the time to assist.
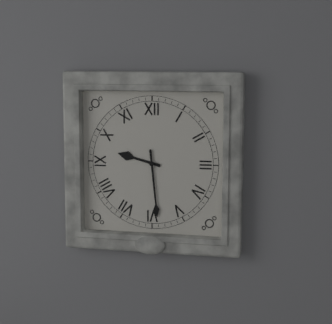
9:29
